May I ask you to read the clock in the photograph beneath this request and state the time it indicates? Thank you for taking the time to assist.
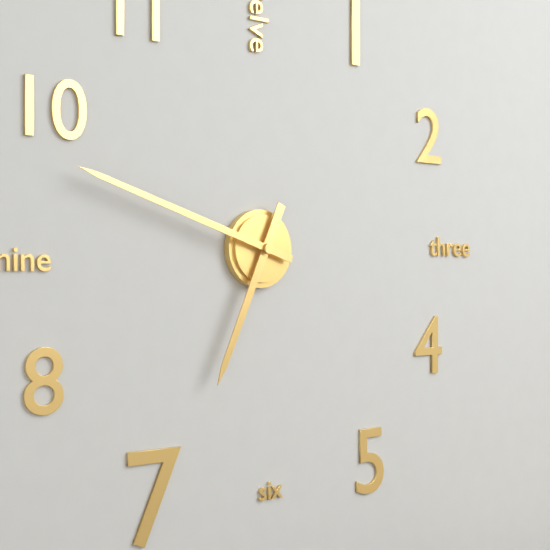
6:48
